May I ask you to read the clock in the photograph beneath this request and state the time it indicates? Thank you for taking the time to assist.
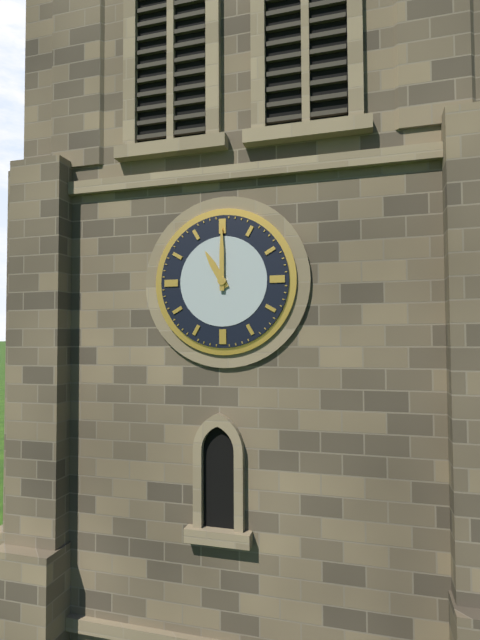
11:00
